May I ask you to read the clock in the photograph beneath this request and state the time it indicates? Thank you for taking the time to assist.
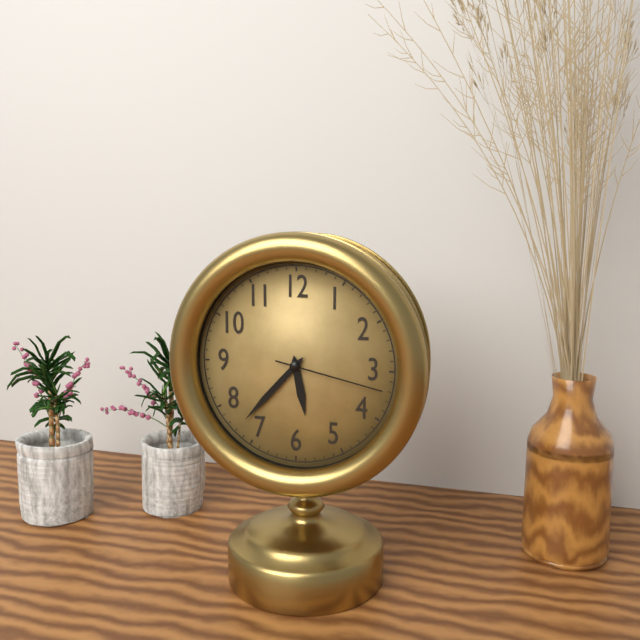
5:37:17
